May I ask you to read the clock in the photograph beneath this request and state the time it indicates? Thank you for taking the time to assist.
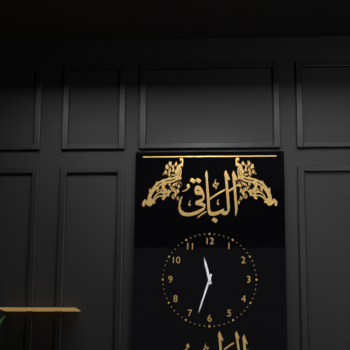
11:33
